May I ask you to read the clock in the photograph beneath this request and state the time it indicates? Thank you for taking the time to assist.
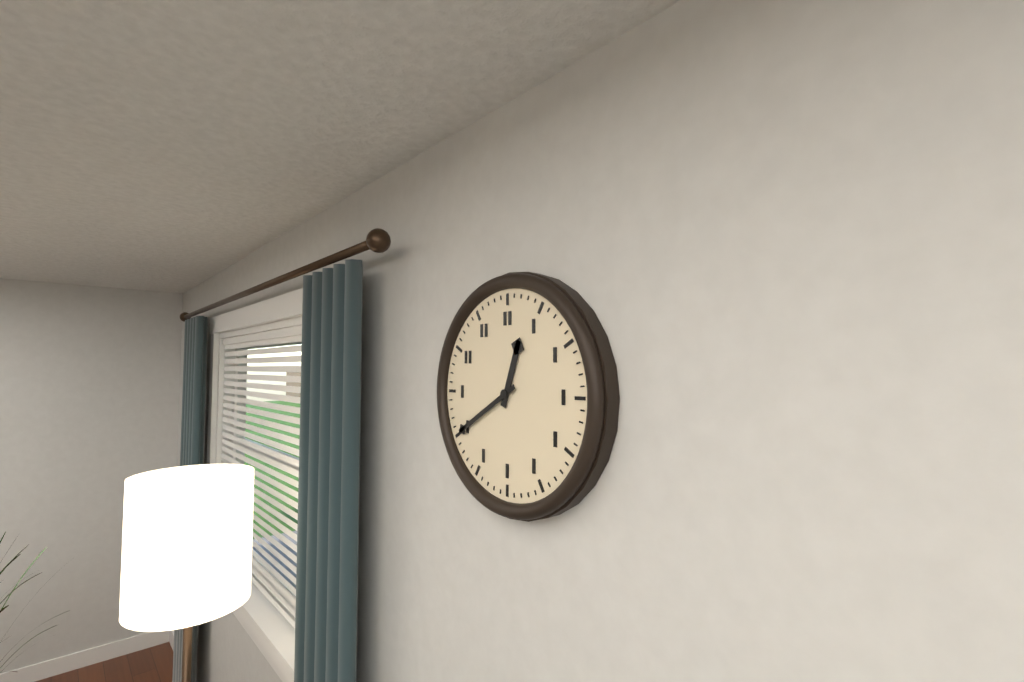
12:40
